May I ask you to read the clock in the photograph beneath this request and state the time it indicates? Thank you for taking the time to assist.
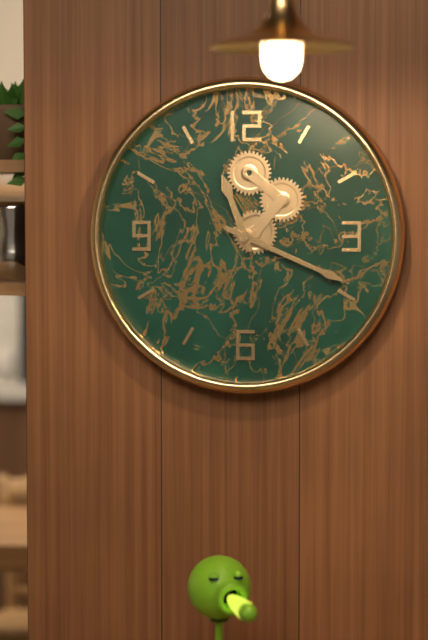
11:19
